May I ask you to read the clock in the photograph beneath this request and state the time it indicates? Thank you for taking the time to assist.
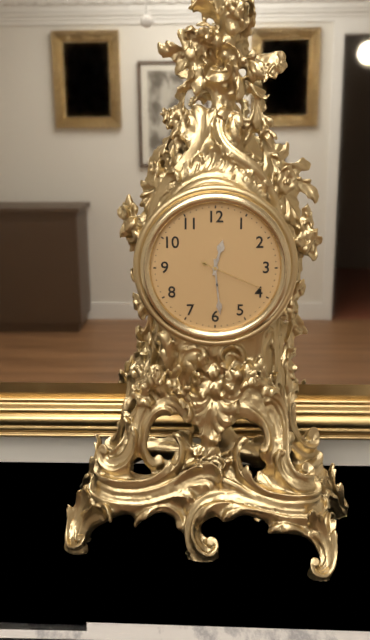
12:29:19
